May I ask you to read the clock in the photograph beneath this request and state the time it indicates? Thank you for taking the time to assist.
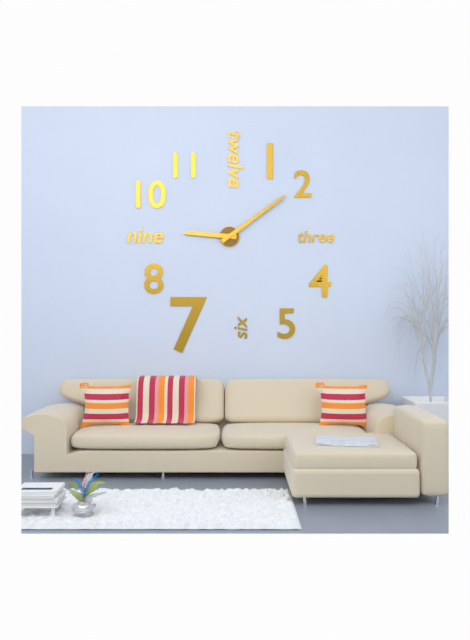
9:09
